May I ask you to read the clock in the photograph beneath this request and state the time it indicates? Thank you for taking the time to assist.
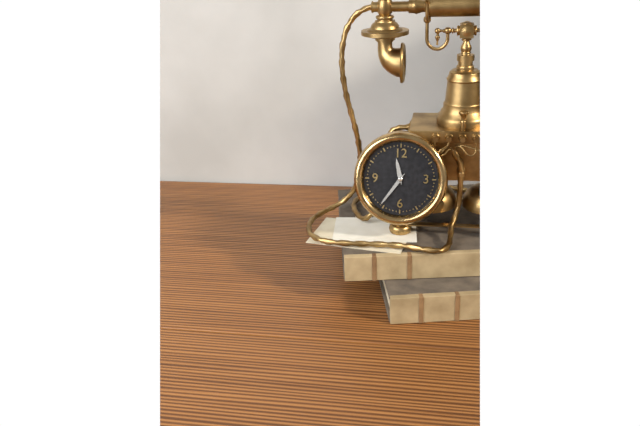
11:36
